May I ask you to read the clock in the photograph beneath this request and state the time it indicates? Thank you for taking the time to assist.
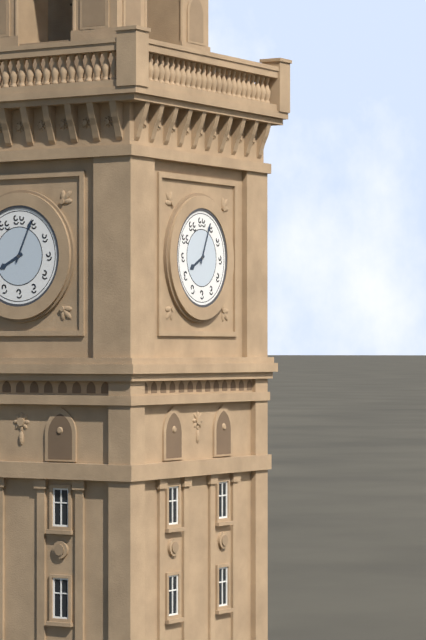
8:04
